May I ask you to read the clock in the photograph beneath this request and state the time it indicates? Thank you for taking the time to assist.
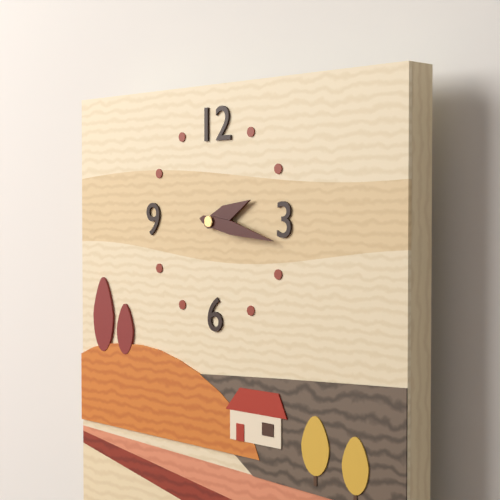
2:17
